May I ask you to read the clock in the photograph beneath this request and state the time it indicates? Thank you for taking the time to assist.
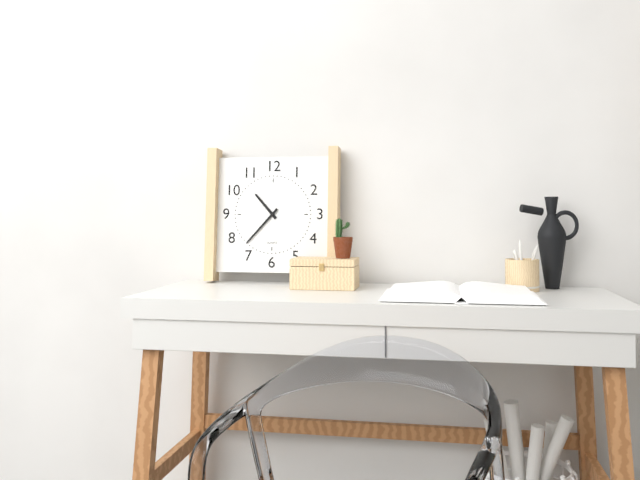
10:37
